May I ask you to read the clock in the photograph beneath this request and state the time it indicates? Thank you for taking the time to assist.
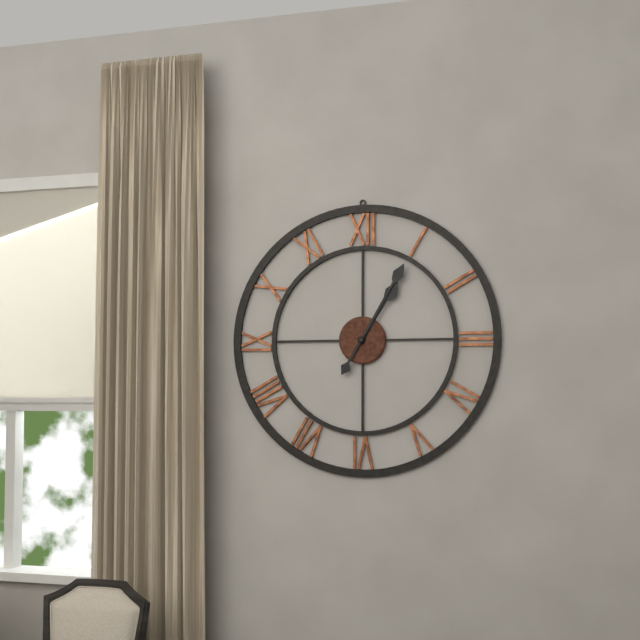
1:05
